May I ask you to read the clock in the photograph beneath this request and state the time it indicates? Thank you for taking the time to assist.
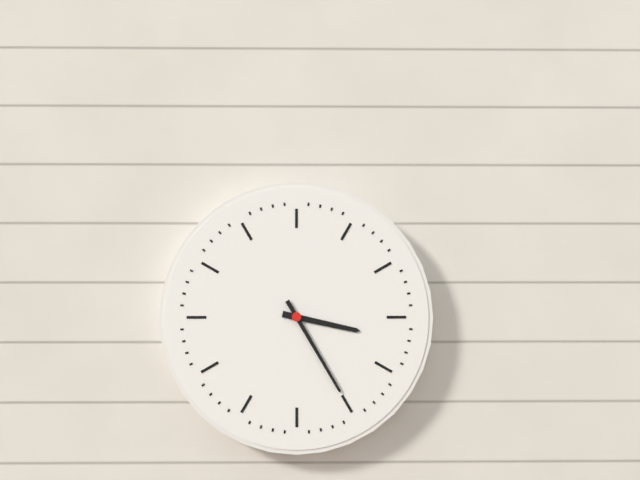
3:25
